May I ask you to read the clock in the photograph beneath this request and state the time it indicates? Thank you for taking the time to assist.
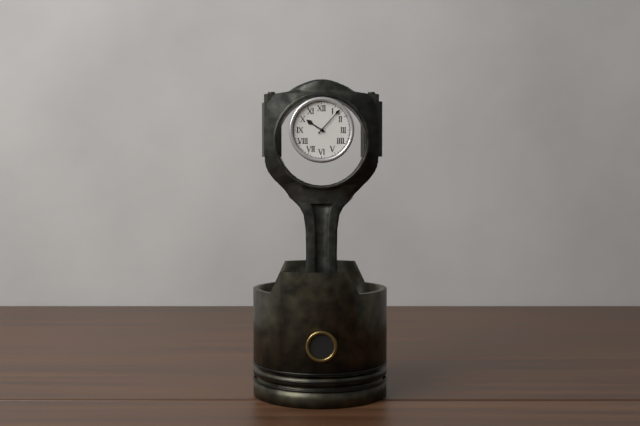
10:07
